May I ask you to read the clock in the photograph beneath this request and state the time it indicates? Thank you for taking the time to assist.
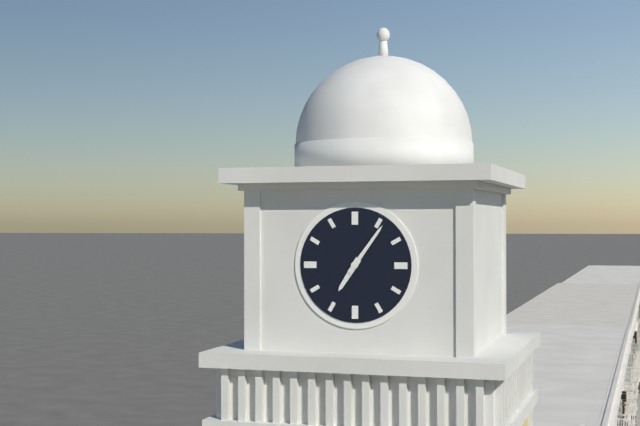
7:06
